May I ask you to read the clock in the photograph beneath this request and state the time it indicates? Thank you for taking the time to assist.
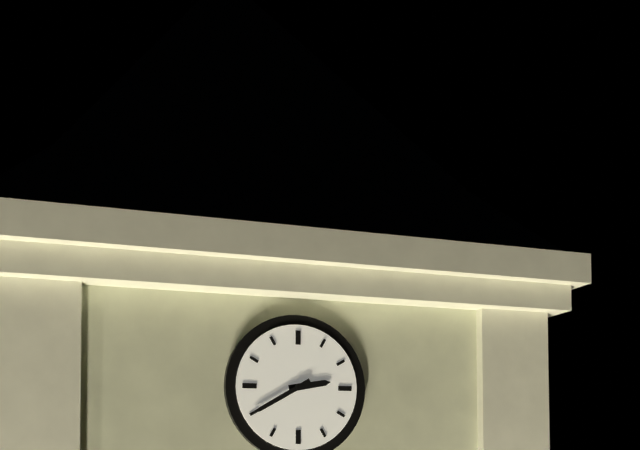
2:40
